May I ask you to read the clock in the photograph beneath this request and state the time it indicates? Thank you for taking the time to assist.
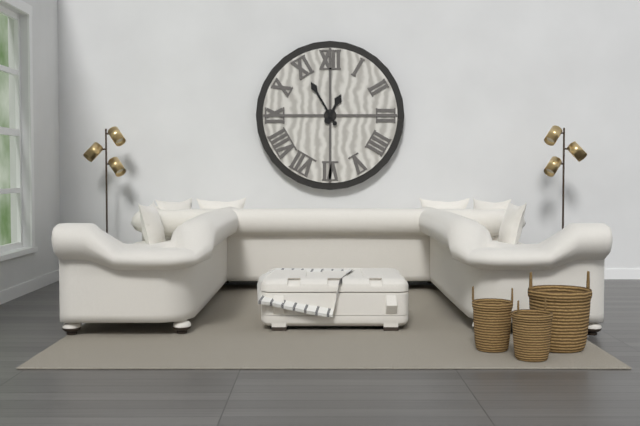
12:55
